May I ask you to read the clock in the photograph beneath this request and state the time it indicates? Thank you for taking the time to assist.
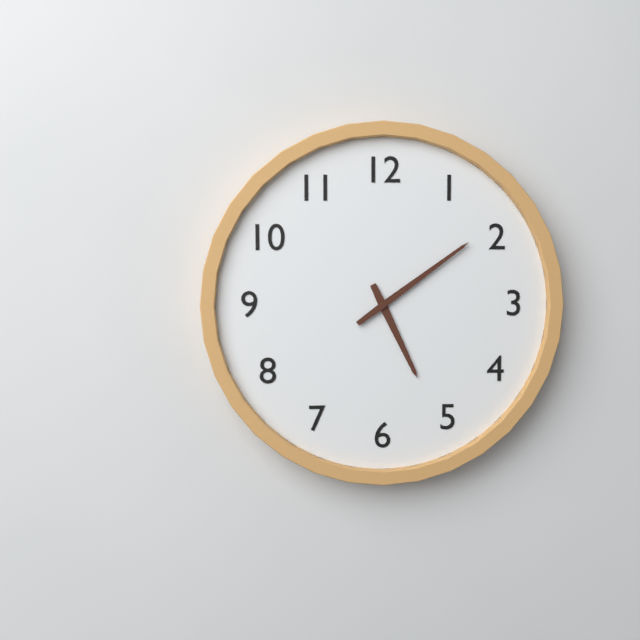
5:09
